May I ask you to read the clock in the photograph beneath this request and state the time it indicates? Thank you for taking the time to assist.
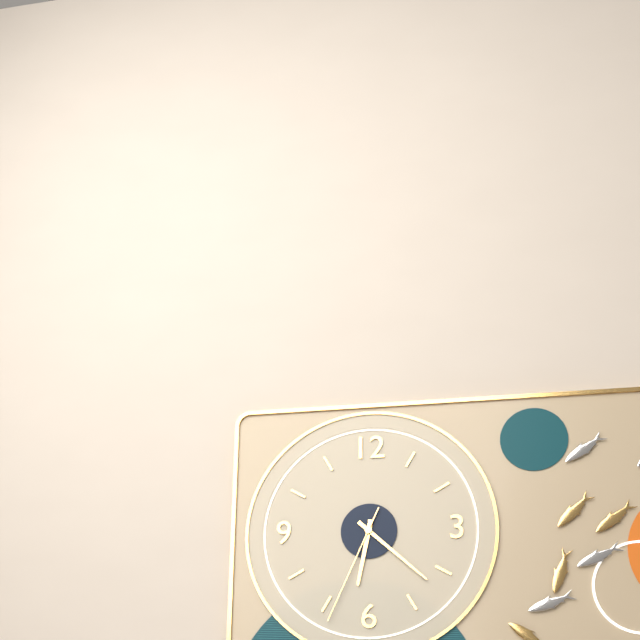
6:22:34
